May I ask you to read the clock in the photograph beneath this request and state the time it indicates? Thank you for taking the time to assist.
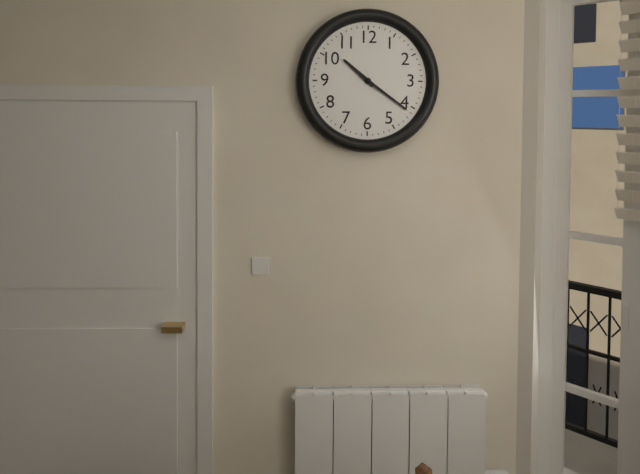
10:21
